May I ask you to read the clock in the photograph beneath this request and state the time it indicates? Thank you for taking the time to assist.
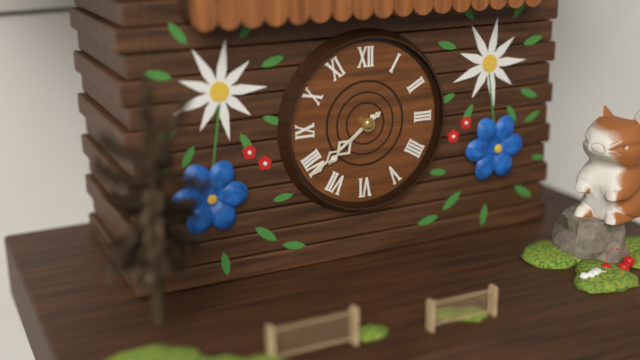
7:39
